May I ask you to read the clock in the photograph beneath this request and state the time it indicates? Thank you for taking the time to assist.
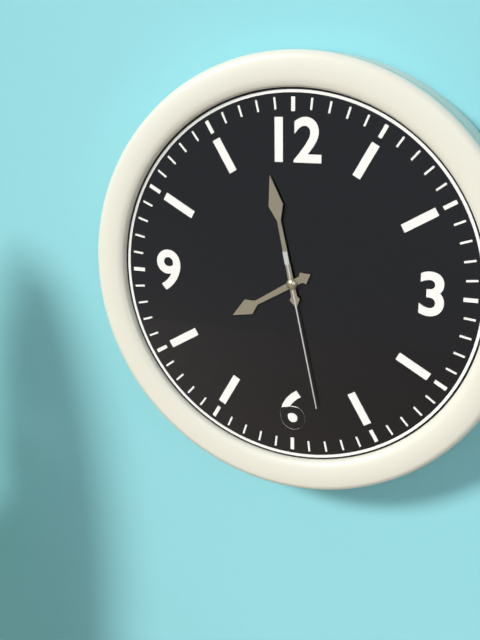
7:58:28
